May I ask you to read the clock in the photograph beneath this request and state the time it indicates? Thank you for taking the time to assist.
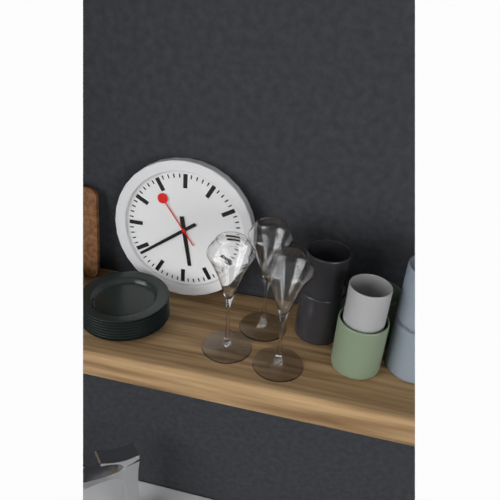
5:39:54
